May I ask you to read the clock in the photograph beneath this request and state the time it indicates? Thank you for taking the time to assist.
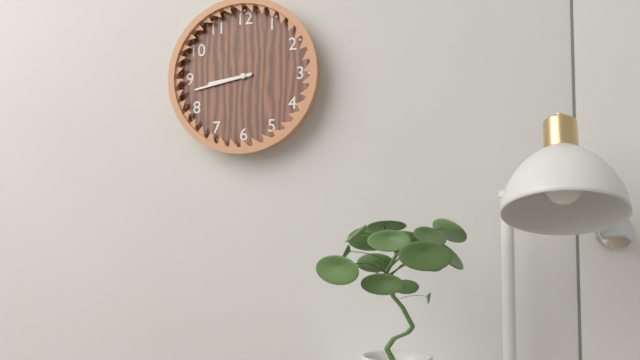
8:43
